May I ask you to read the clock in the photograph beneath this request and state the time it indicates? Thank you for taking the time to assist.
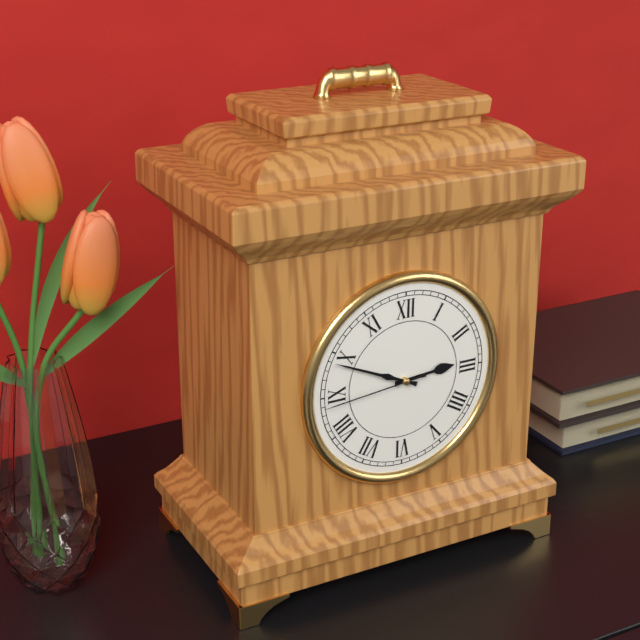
2:49:44
